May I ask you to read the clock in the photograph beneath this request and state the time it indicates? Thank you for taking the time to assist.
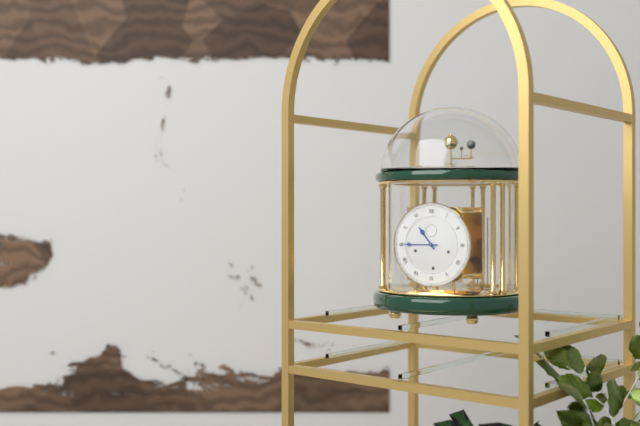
10:45
